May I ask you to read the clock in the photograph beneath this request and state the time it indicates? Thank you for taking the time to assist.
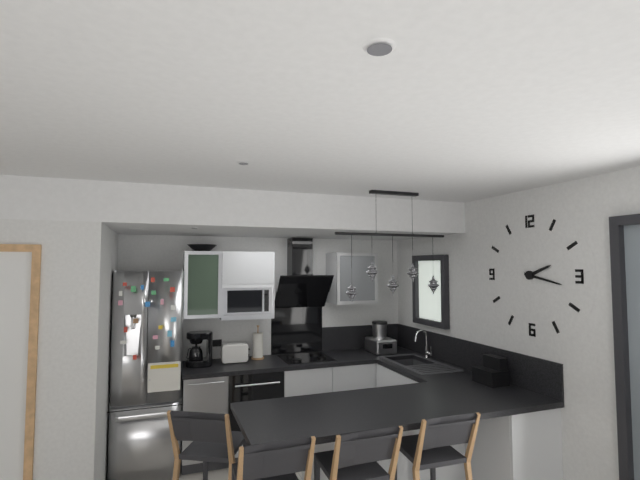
2:17
